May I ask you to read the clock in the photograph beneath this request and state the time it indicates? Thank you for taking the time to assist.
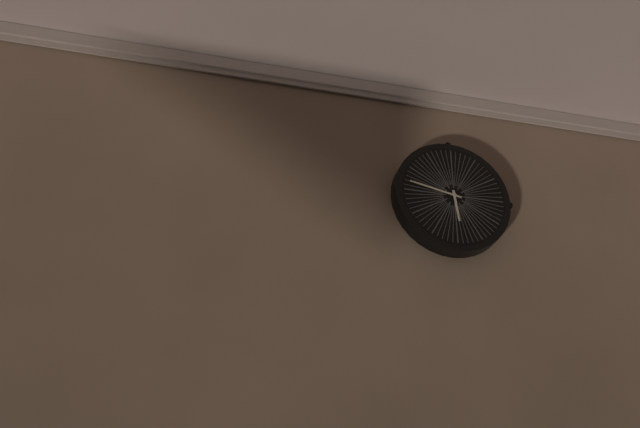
5:47
